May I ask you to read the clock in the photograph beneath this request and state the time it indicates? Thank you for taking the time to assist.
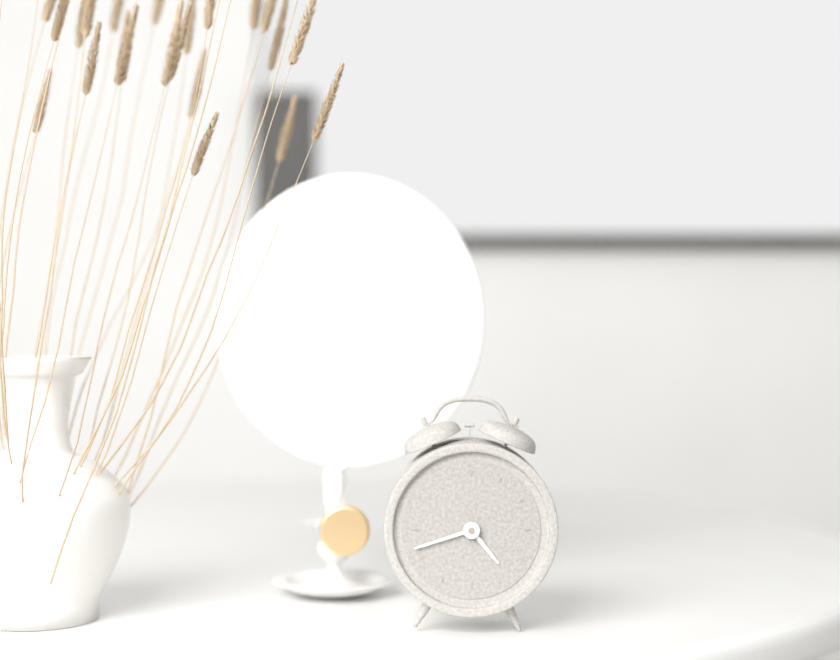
4:42
